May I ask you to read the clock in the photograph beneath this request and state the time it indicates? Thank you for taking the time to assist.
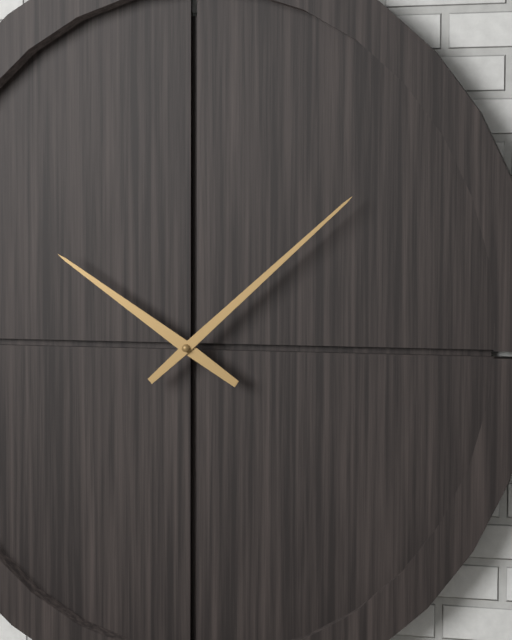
10:08
